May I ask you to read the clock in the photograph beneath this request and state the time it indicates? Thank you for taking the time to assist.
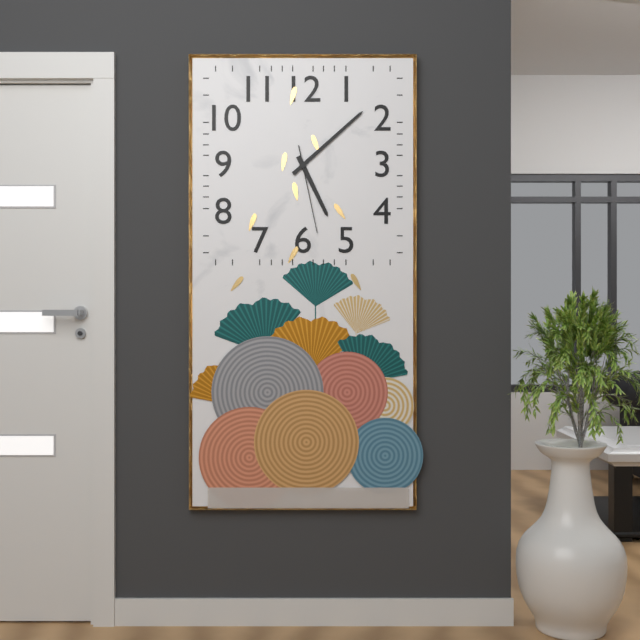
5:08:28
